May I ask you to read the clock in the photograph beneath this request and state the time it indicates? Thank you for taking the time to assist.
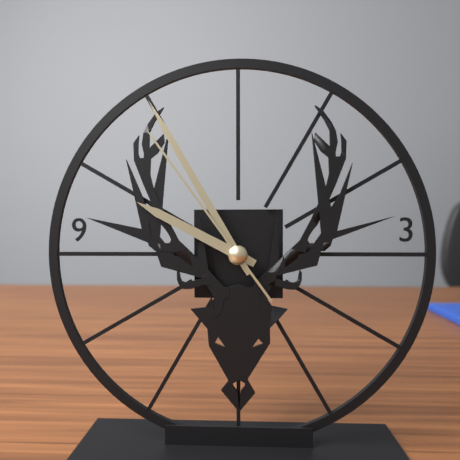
9:55:54
